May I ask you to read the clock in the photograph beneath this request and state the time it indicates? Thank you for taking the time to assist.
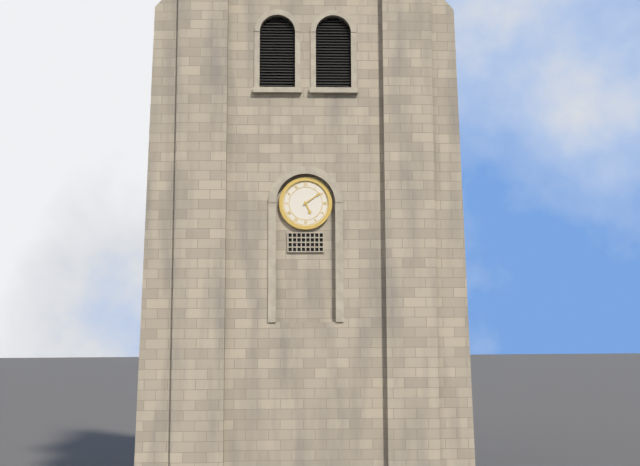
5:09
